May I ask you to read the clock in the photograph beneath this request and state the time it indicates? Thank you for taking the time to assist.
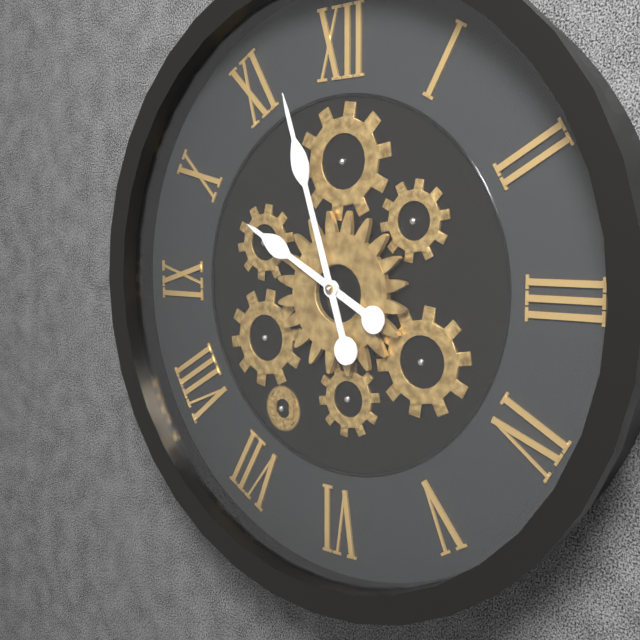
9:57
